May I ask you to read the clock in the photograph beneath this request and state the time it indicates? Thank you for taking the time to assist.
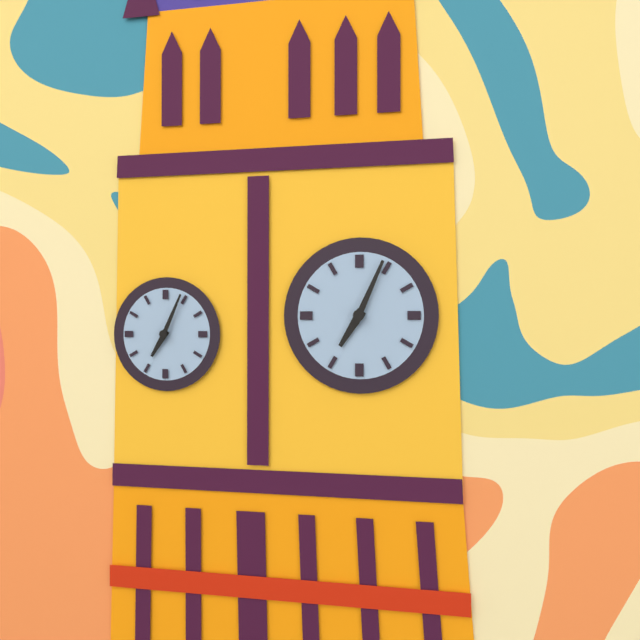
7:04
